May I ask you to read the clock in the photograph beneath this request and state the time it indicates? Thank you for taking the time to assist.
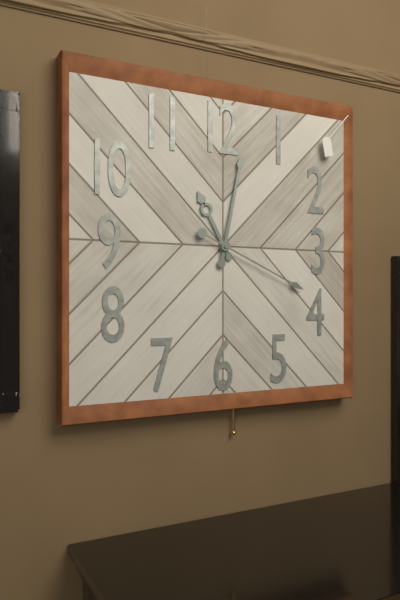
11:02:19
